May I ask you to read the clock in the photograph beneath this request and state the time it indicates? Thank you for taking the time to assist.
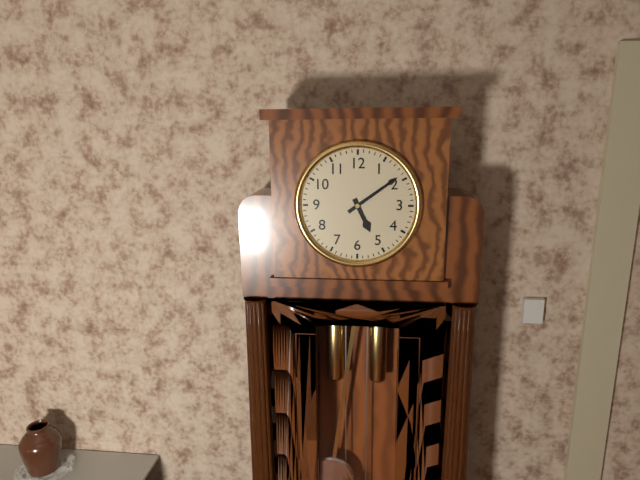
5:09
